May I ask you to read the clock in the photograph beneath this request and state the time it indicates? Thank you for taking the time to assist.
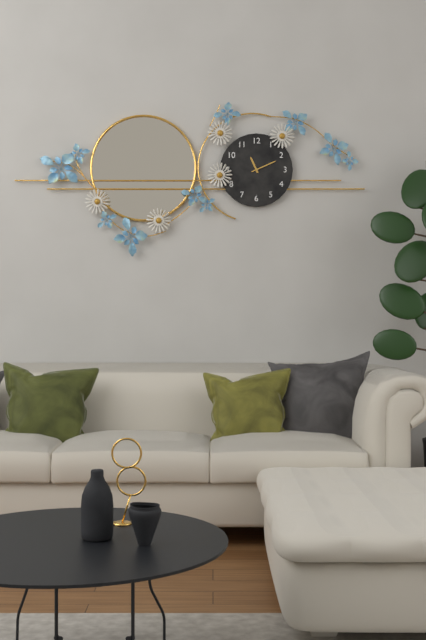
11:11
